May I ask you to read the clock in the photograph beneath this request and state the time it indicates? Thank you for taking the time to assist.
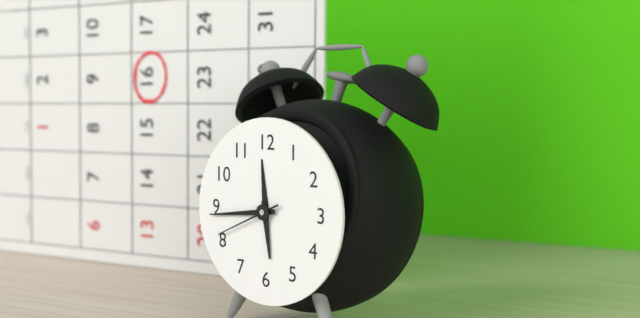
5:44:41
